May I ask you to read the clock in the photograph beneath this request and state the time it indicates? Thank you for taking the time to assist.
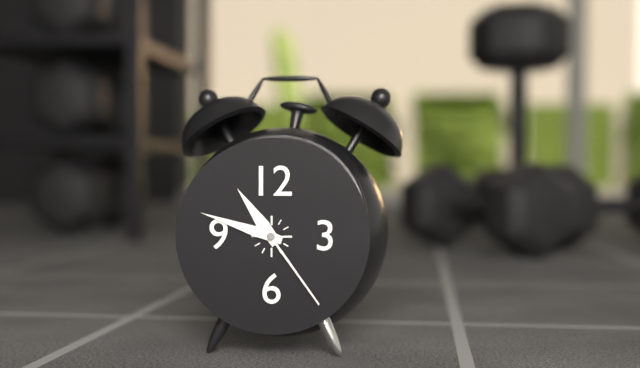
10:48:24
